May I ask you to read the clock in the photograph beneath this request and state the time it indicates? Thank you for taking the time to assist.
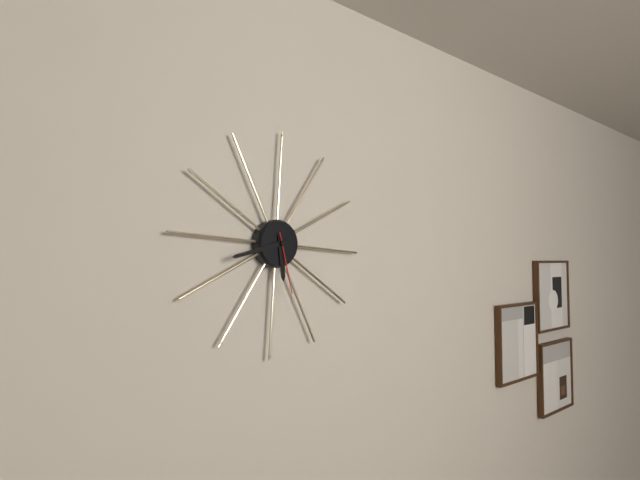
5:42:27
